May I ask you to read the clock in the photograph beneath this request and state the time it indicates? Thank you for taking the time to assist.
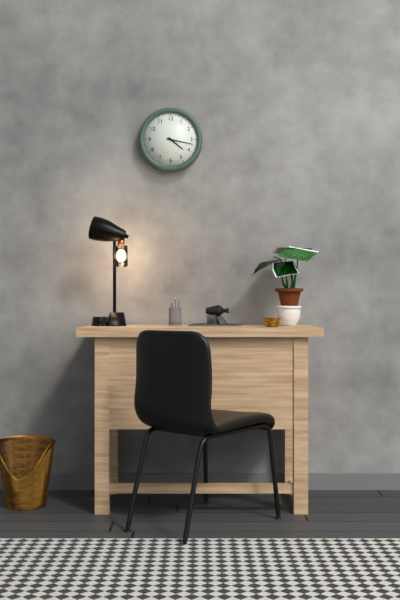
4:17
